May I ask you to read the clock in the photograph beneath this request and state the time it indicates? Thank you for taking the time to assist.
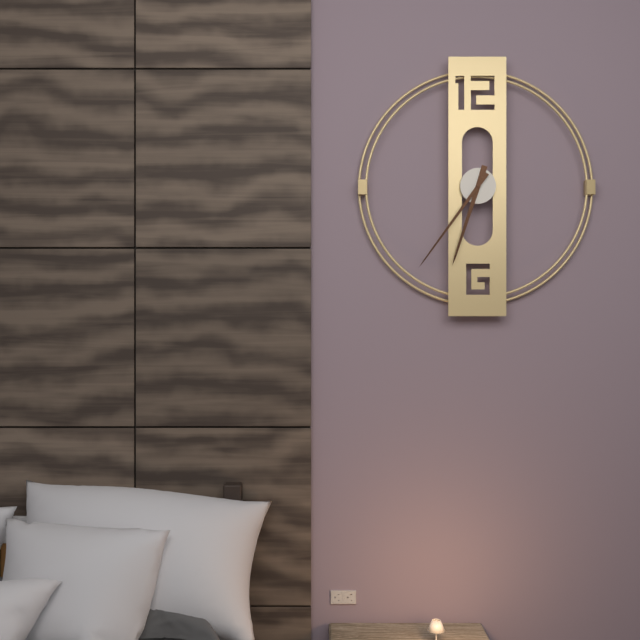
6:36
